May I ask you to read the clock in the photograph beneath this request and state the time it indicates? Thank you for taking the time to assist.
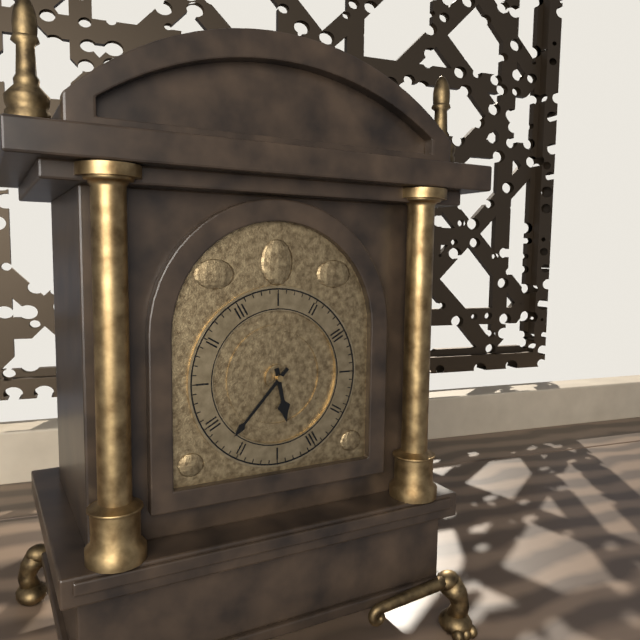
5:37
